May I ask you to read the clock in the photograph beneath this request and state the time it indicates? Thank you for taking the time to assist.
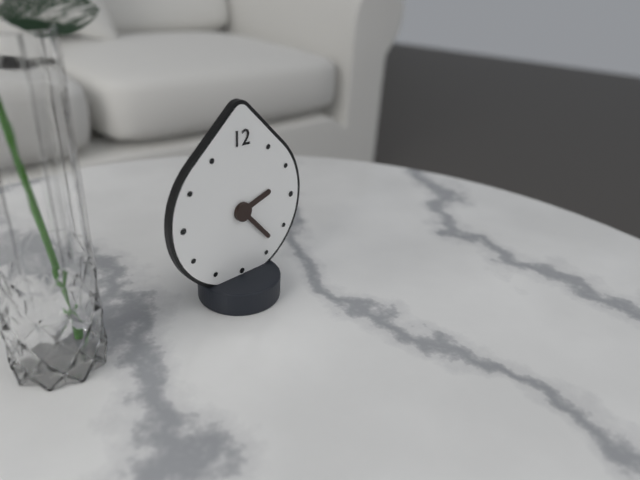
2:23
